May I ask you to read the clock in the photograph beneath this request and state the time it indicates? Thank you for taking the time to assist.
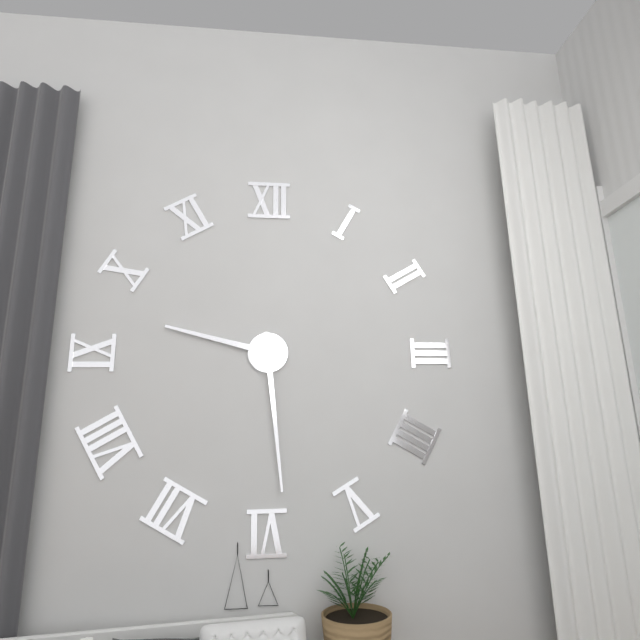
9:29
